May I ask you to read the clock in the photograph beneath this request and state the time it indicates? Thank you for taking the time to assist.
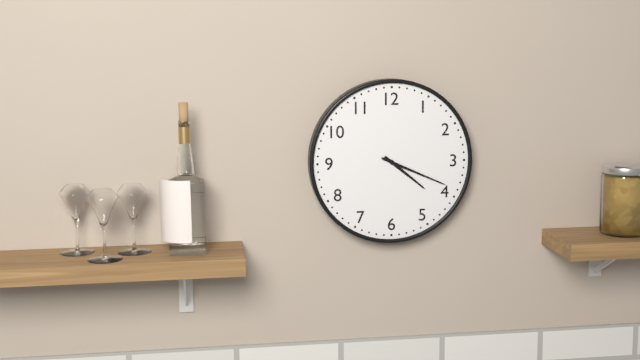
4:19
